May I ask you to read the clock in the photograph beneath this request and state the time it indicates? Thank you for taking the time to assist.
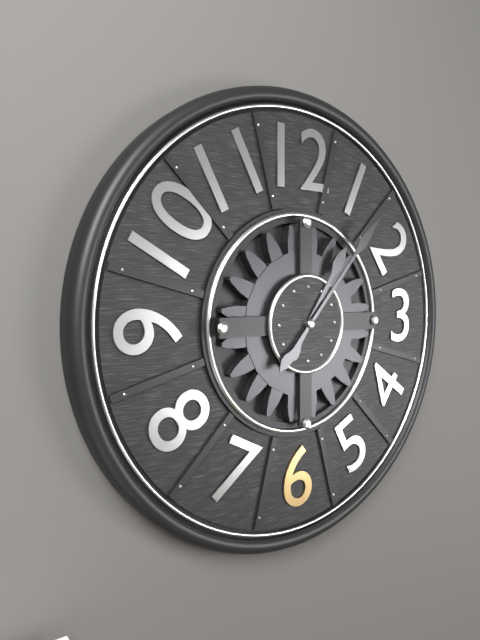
1:07
